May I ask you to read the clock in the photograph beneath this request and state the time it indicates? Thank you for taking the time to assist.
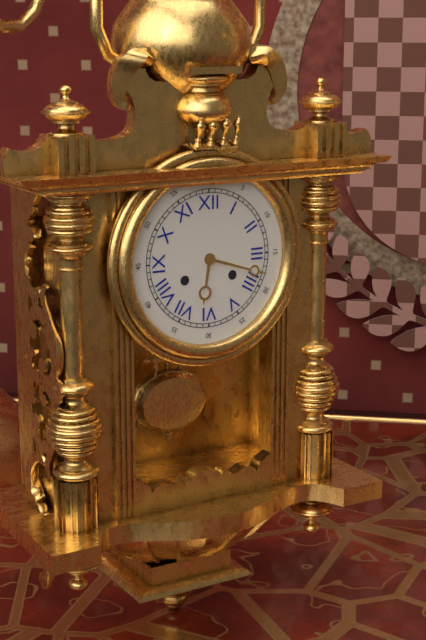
6:18
